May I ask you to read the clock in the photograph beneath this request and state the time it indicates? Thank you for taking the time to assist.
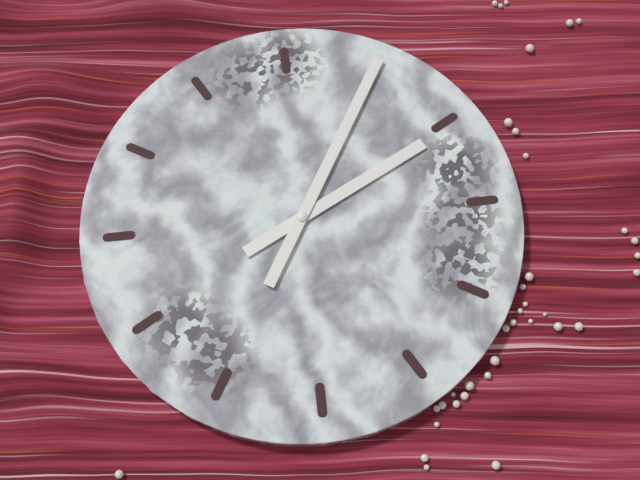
2:05
